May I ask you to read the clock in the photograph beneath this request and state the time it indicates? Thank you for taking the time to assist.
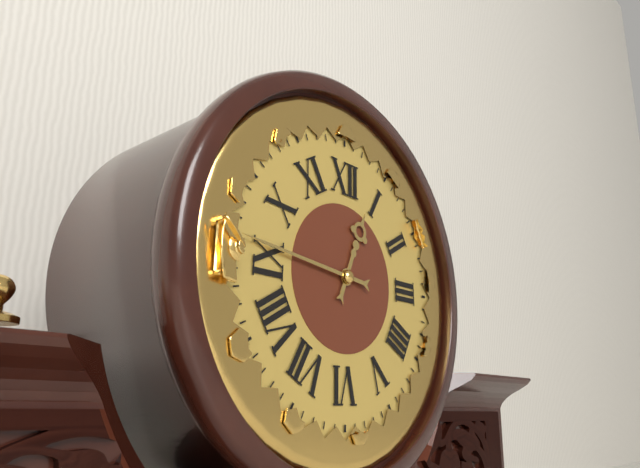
12:46
